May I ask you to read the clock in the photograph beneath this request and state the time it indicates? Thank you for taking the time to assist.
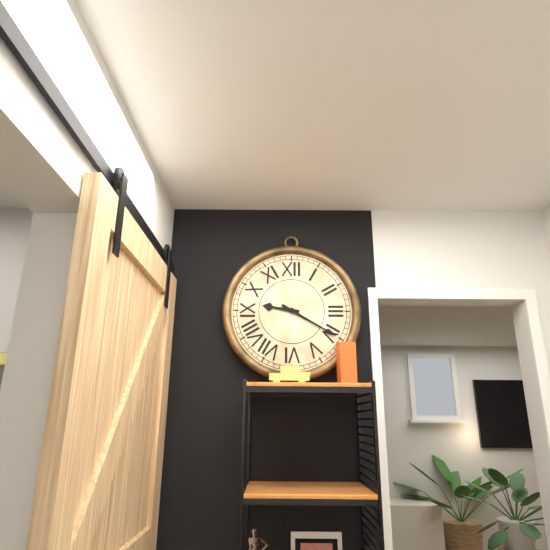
9:20
